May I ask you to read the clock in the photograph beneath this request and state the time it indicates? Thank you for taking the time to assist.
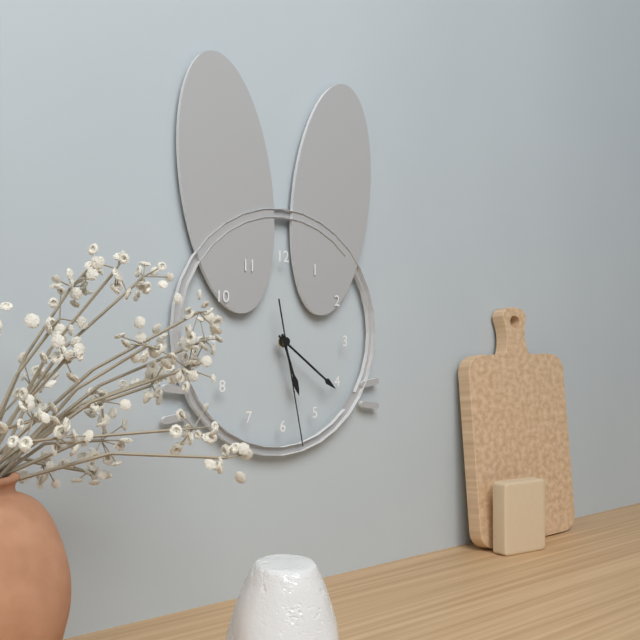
5:21:28
